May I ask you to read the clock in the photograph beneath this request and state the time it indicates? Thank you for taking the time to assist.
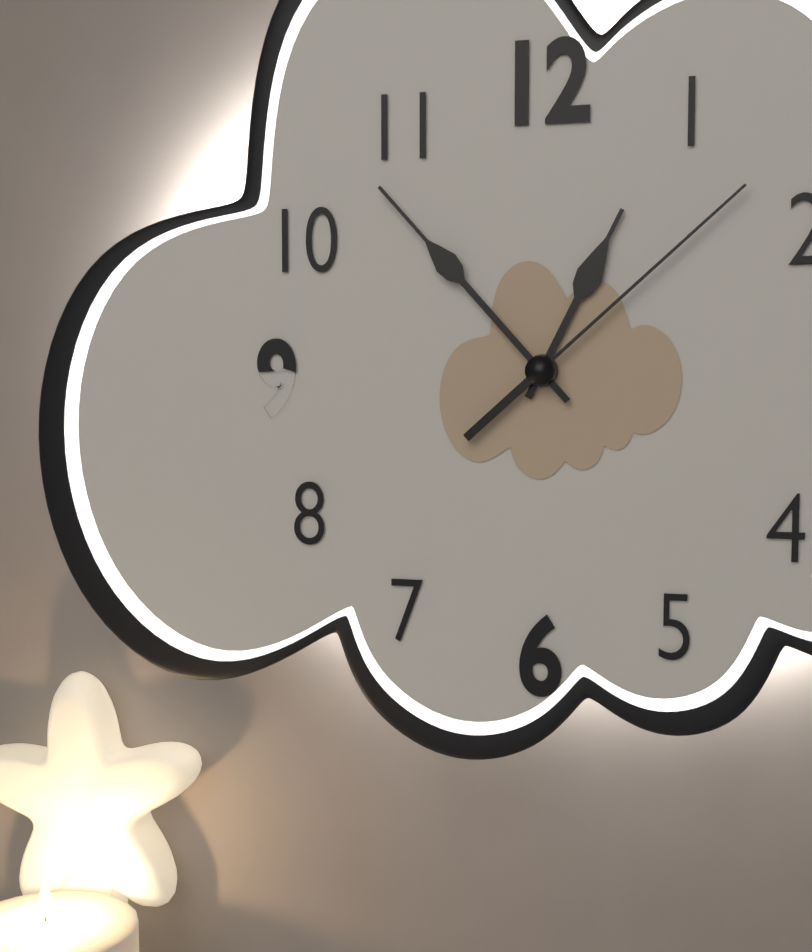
12:53:08
